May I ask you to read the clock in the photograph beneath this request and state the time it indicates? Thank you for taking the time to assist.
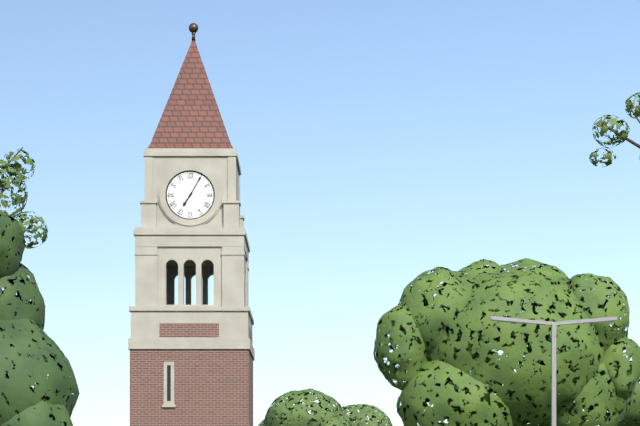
7:05
